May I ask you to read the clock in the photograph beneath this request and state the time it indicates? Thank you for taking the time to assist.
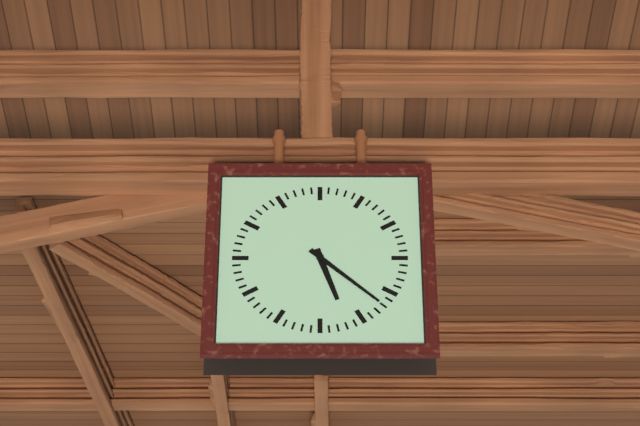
5:22
